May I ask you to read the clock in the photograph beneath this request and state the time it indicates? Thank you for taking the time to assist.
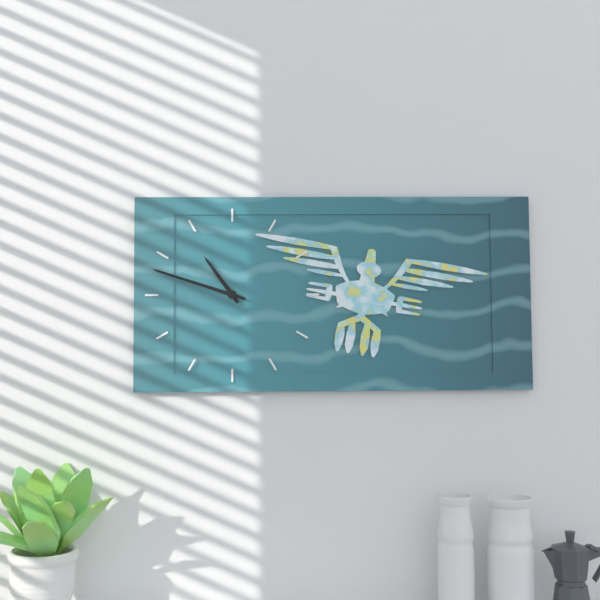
10:48
